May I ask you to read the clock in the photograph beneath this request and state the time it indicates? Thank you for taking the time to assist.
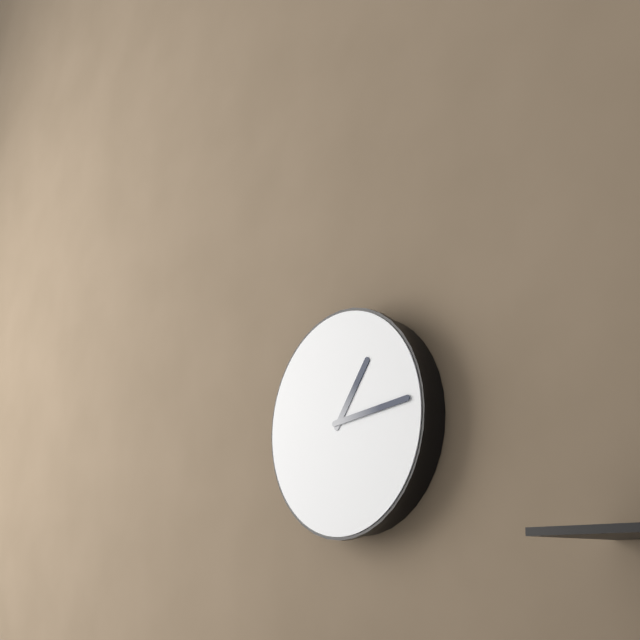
1:14
